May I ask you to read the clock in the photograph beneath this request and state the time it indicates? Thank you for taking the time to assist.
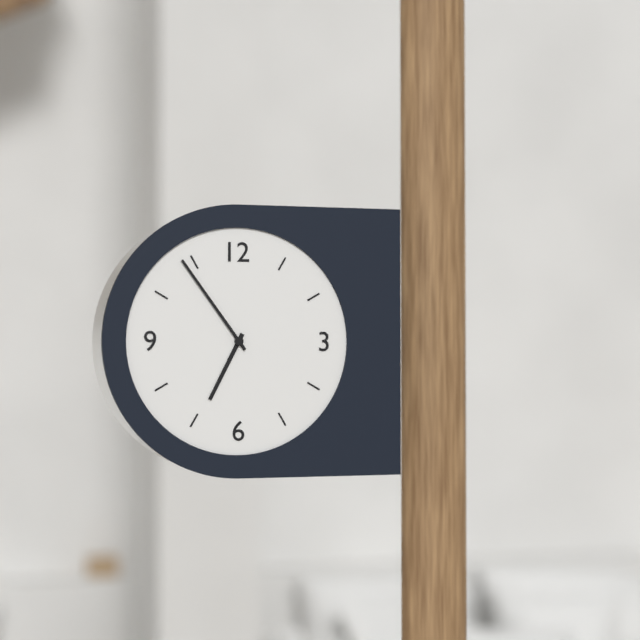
6:54
